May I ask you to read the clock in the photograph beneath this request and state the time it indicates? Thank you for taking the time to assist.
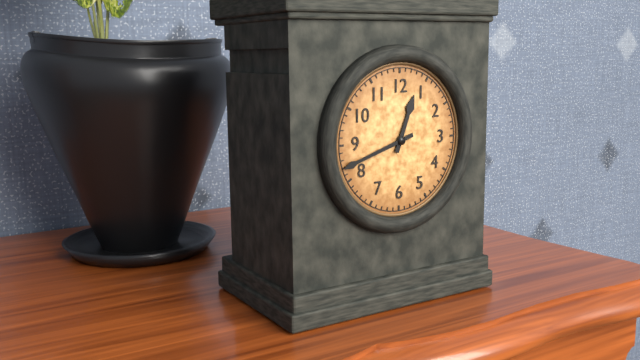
12:42
